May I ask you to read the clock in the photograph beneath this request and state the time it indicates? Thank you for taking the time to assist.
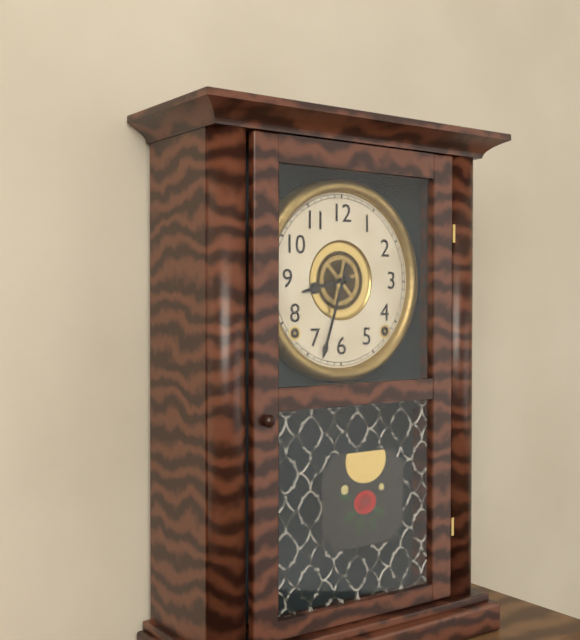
8:33
